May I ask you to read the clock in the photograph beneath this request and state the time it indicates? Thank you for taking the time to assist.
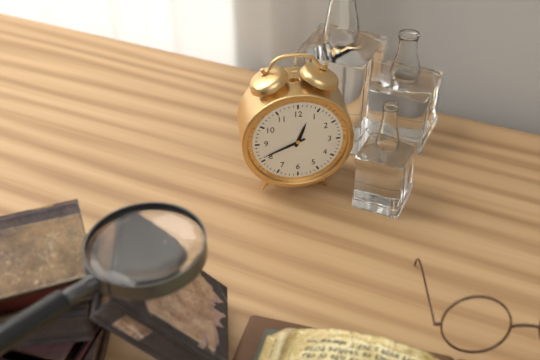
12:41
